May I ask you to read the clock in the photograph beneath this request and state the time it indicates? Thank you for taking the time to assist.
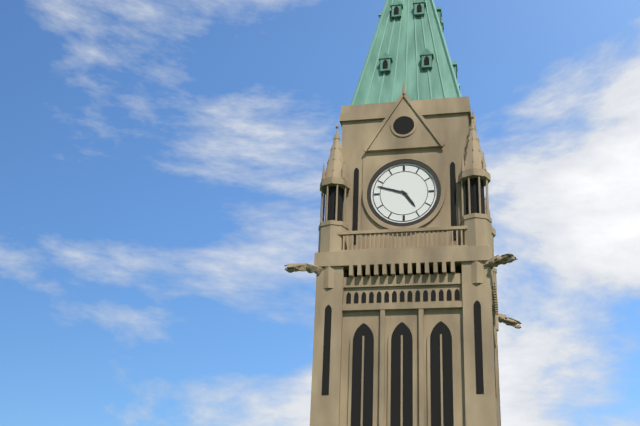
4:48
